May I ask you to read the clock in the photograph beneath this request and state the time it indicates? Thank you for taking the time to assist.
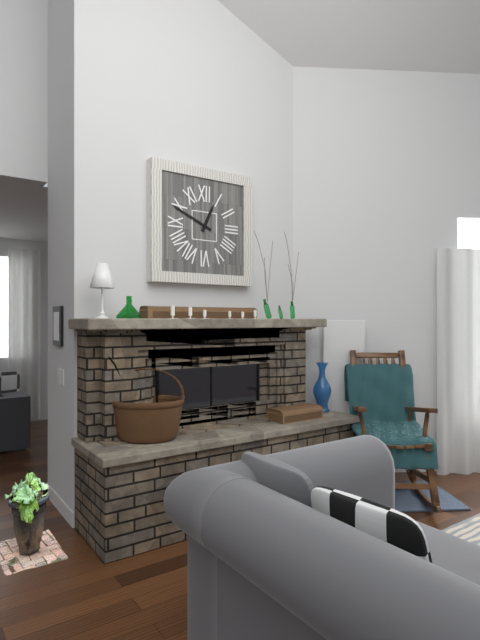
12:49
